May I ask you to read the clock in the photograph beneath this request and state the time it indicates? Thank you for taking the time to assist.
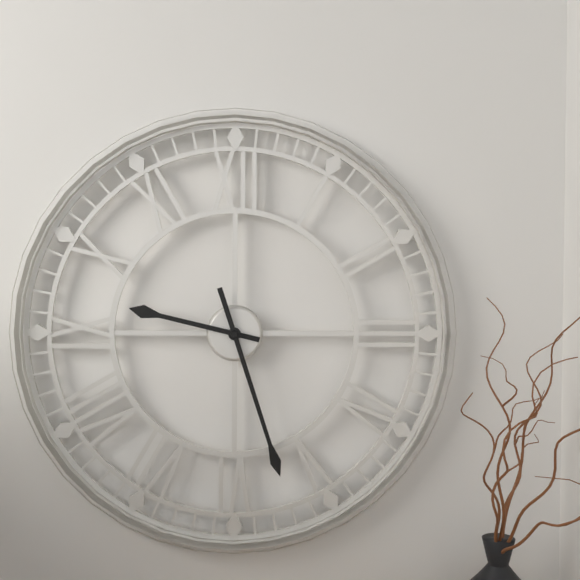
9:27
